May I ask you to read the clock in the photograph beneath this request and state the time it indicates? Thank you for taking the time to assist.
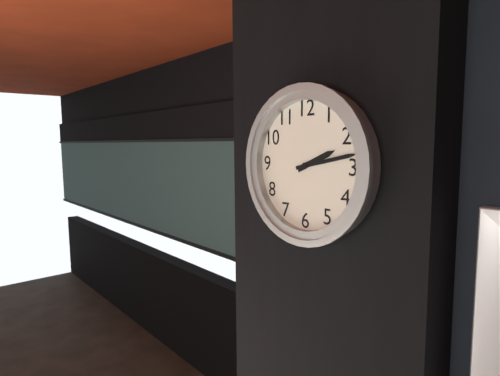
2:13
